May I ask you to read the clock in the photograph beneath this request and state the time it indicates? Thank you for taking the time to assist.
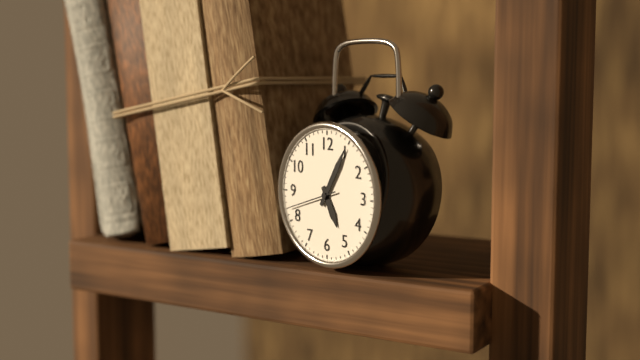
5:05
